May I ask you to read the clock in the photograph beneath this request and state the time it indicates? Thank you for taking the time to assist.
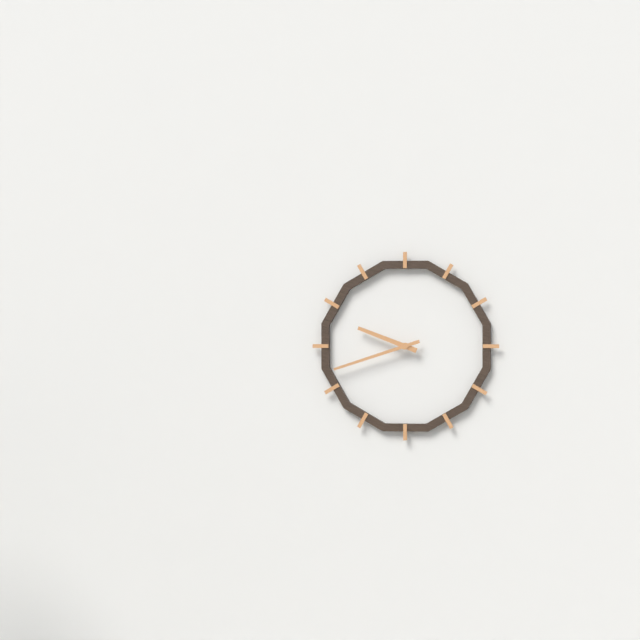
9:42
